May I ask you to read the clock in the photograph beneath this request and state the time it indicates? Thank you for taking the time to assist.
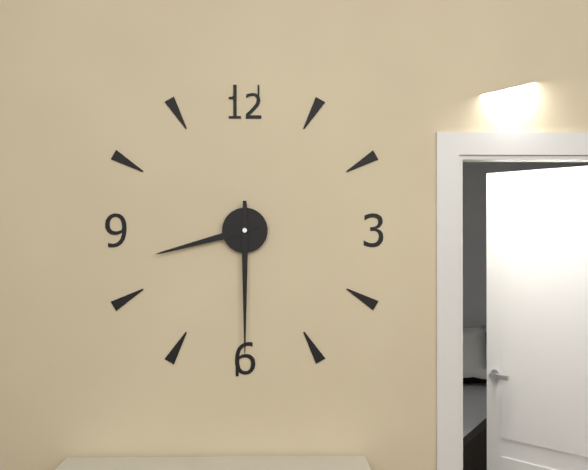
8:30
